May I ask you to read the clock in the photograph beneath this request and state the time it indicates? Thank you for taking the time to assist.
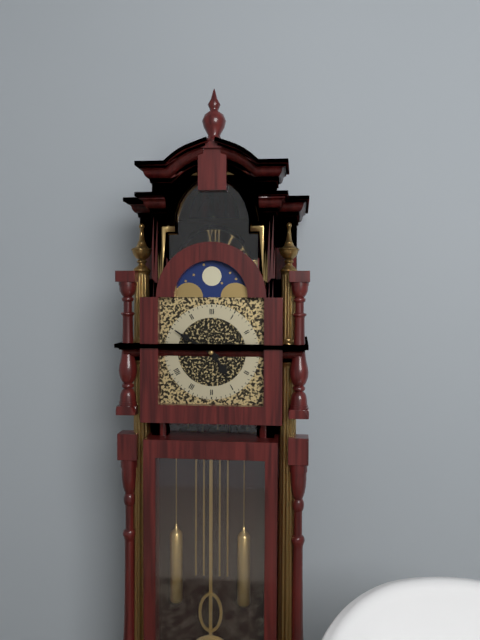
4:50
